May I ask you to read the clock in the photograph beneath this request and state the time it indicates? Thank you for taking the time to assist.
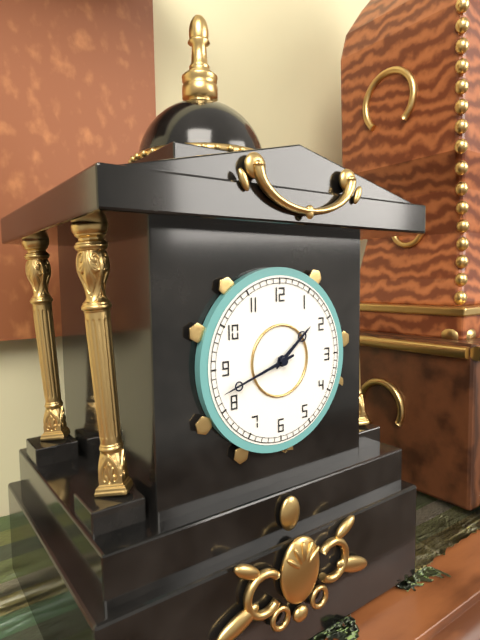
1:42
